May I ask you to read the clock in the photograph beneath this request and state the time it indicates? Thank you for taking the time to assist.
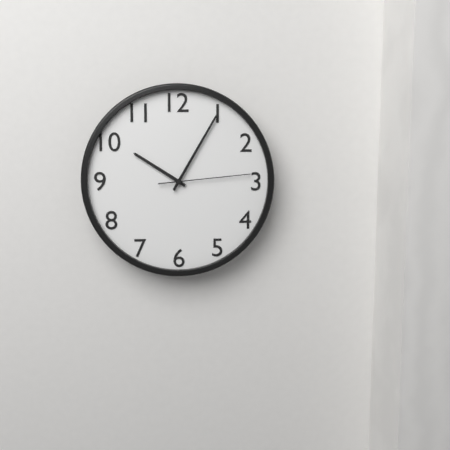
10:05:14
